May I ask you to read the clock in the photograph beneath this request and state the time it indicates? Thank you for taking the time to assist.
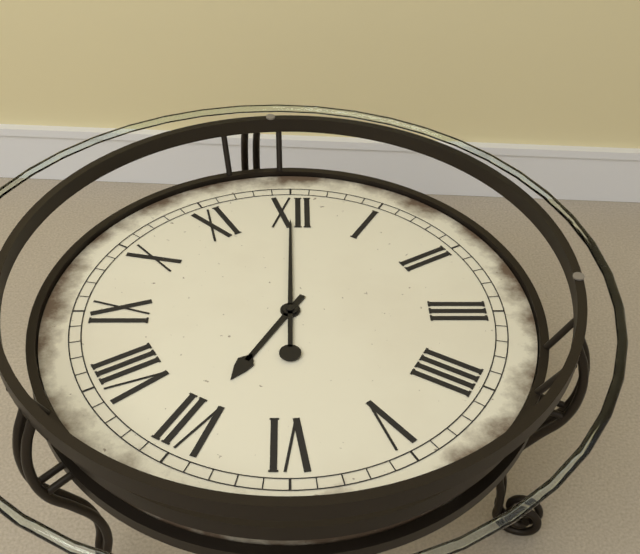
7:00
